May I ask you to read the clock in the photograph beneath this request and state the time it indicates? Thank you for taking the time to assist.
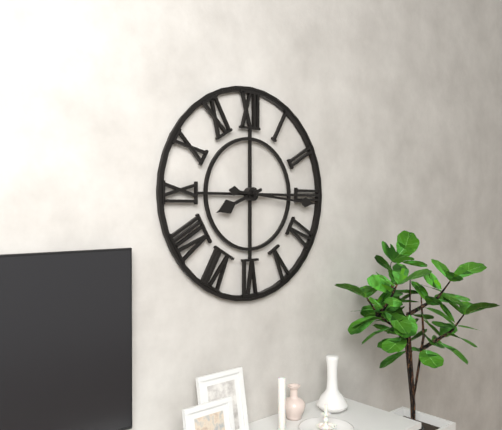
8:16
